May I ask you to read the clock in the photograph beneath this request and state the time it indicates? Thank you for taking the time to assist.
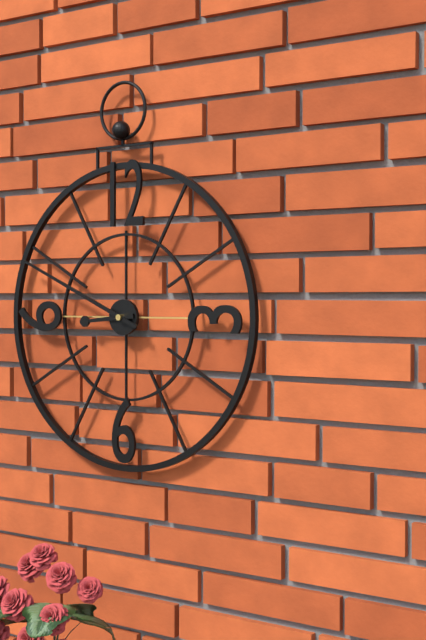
8:49
